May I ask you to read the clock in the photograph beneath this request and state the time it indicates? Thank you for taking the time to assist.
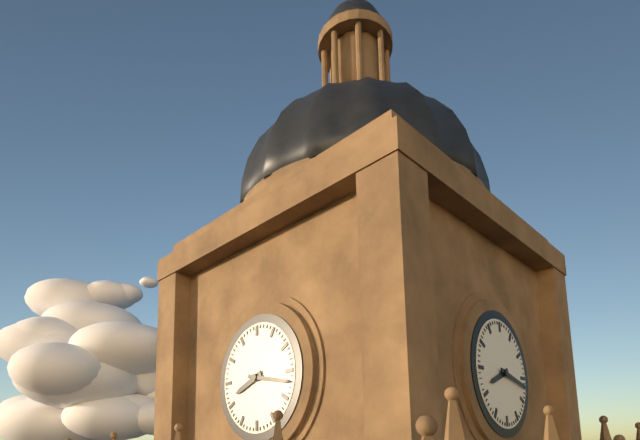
8:17
